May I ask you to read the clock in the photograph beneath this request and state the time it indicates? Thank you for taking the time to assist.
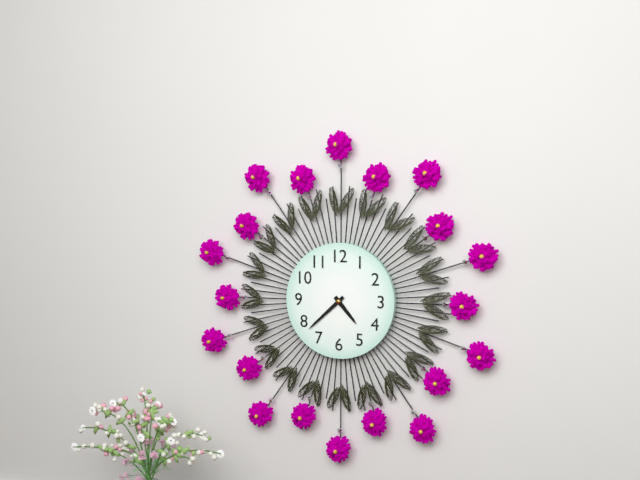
4:38
